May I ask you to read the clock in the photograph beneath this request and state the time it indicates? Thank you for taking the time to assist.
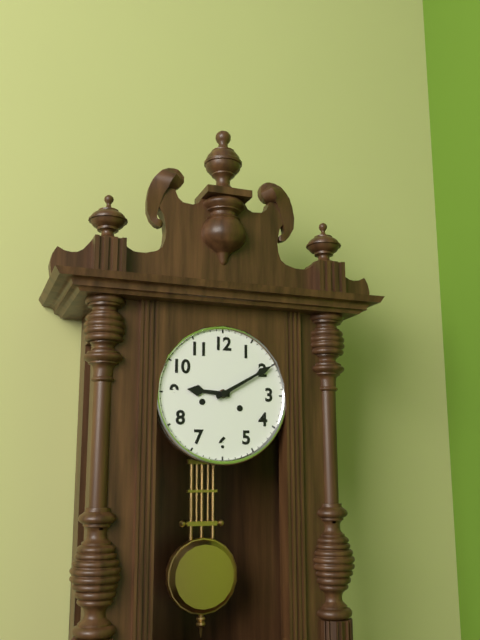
9:10
